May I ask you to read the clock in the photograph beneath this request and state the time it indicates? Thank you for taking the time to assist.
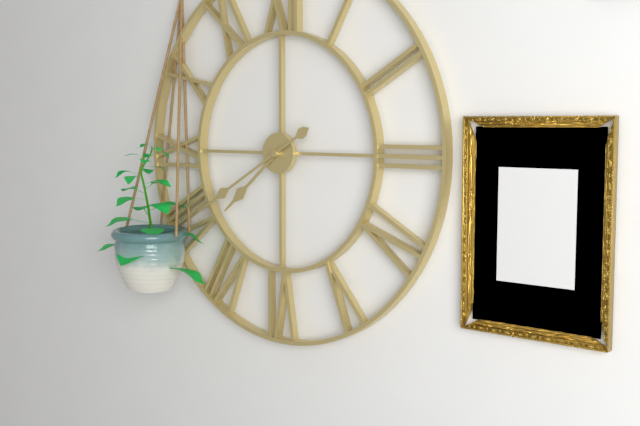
7:40
